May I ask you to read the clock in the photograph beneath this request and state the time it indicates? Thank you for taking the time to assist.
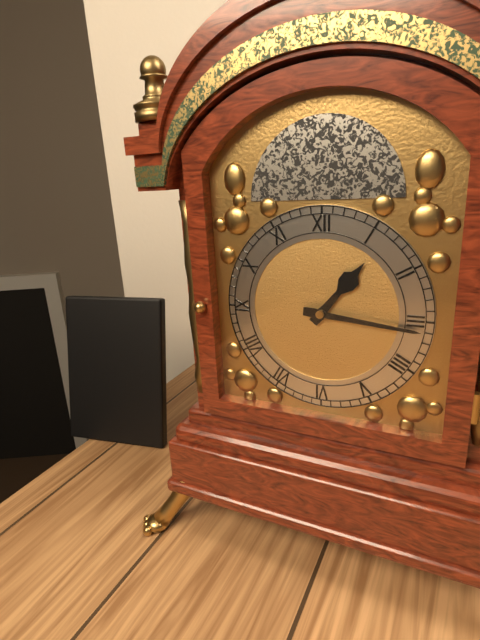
1:16
